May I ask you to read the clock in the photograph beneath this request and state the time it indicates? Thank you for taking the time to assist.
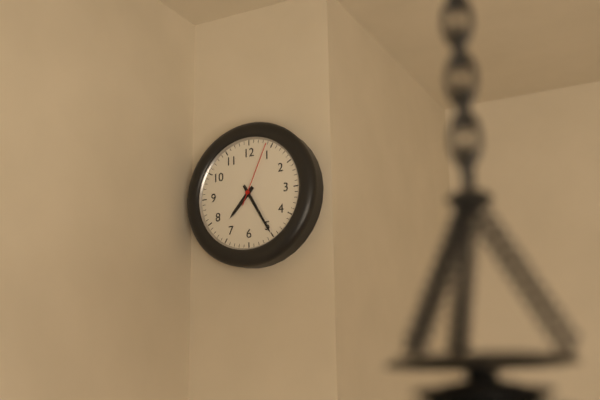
7:25:04
